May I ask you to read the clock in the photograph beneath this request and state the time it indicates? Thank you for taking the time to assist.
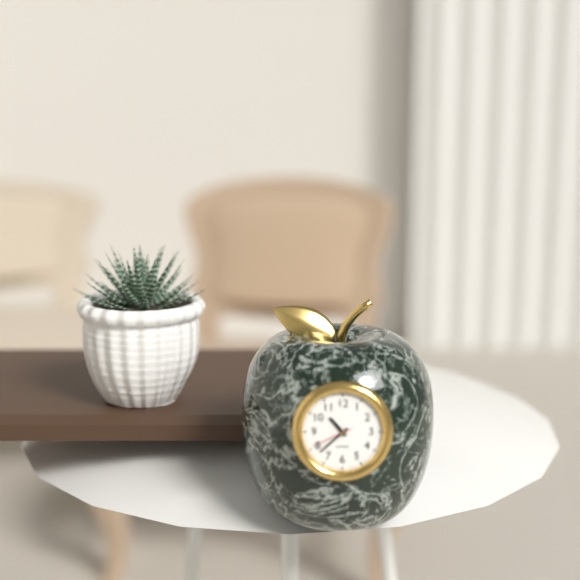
10:38
